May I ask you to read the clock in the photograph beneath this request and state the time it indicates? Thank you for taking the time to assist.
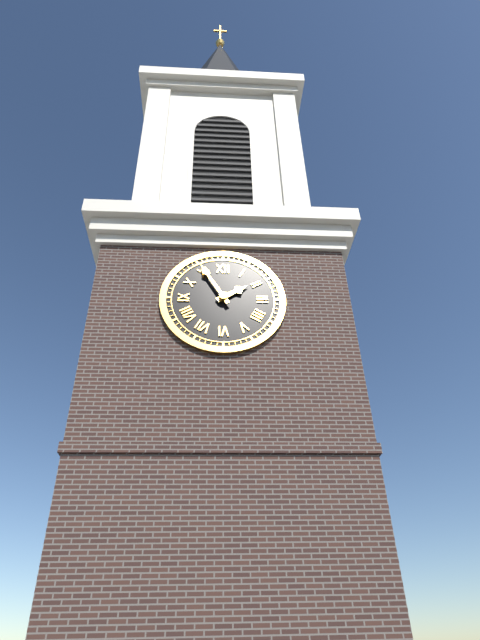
1:55
